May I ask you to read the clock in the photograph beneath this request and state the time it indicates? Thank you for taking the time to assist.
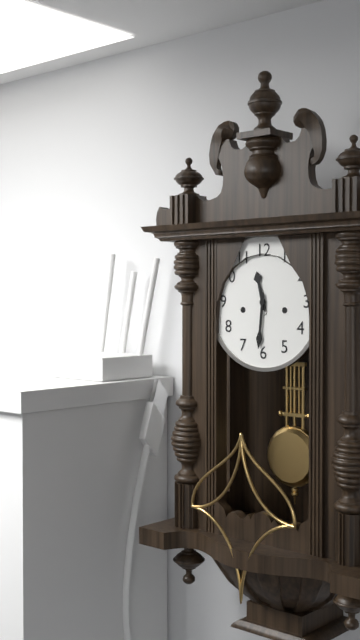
11:31
